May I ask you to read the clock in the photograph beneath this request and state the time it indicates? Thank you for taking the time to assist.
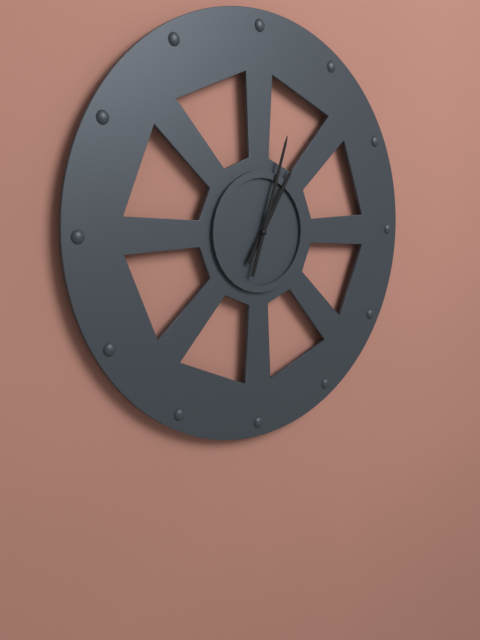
1:03
